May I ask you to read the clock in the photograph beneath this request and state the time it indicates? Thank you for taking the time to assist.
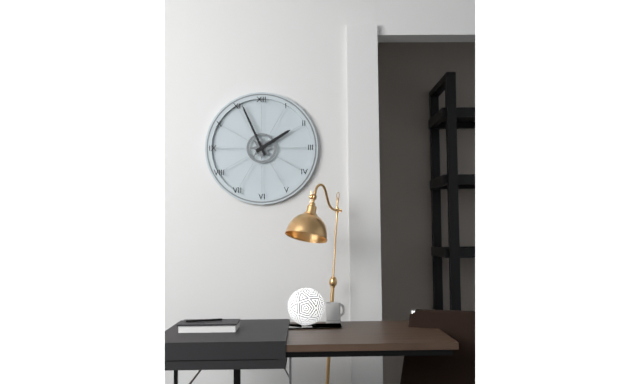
1:56
